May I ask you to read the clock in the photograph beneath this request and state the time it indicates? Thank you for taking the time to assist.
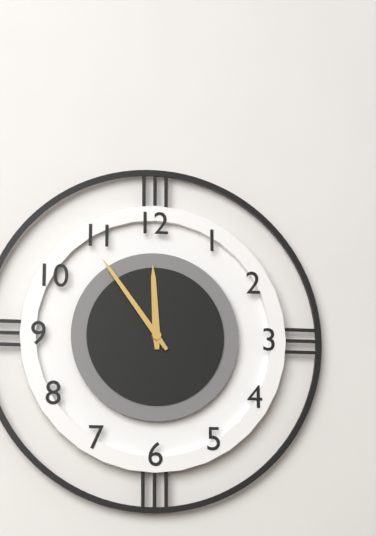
11:54
